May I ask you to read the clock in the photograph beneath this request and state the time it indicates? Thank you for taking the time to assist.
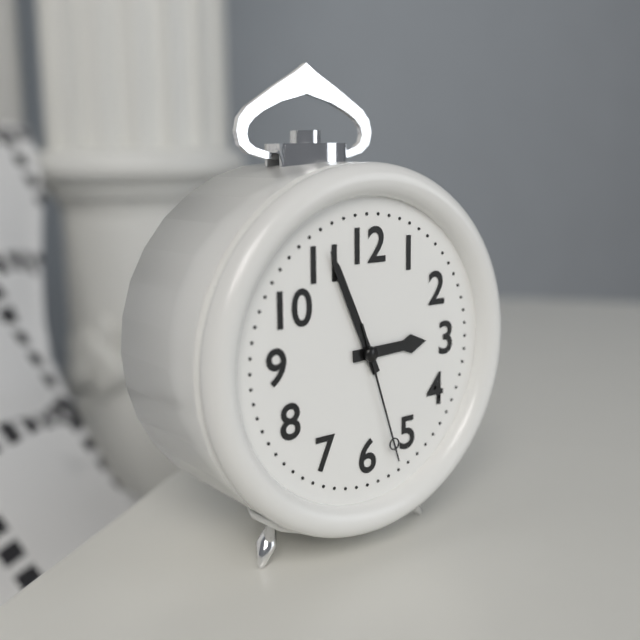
2:56:27
